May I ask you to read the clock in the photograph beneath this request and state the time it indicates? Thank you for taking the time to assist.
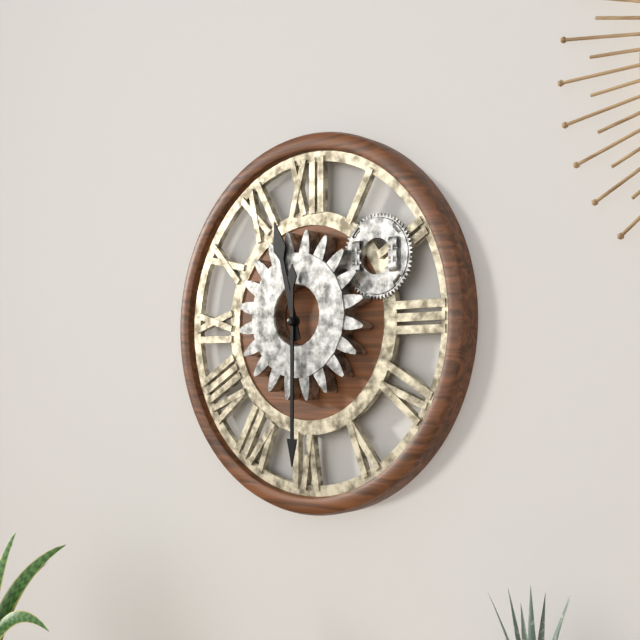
11:30
